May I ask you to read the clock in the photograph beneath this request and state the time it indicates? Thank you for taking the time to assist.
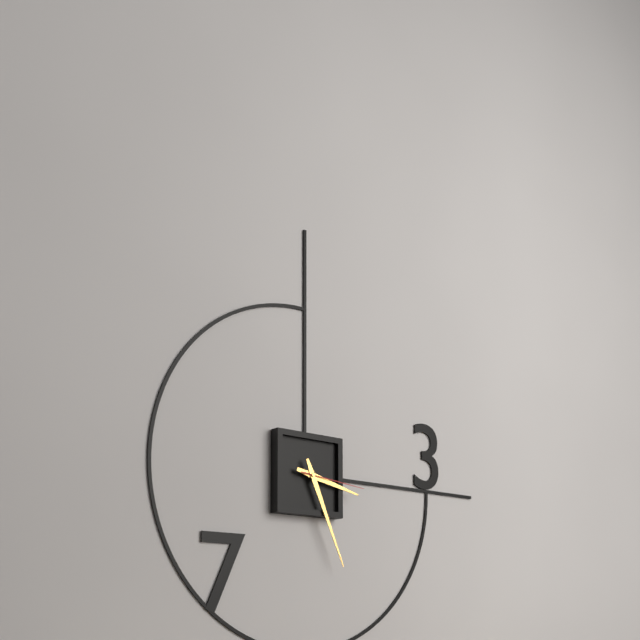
3:26:16
